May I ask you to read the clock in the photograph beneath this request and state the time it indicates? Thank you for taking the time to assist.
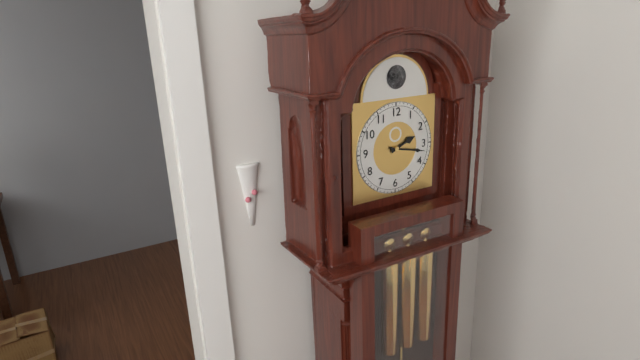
2:17
